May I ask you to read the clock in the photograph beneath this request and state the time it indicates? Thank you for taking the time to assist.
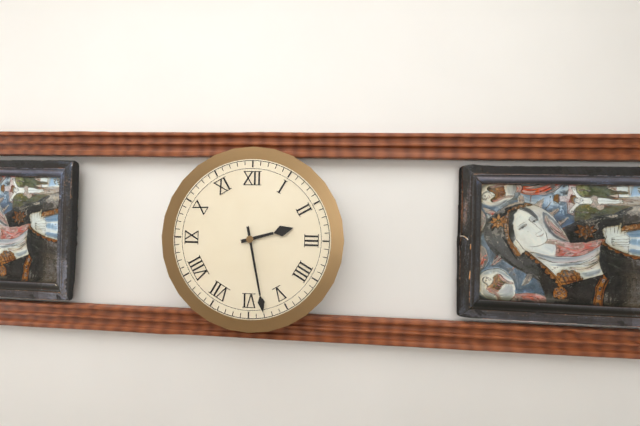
2:28
